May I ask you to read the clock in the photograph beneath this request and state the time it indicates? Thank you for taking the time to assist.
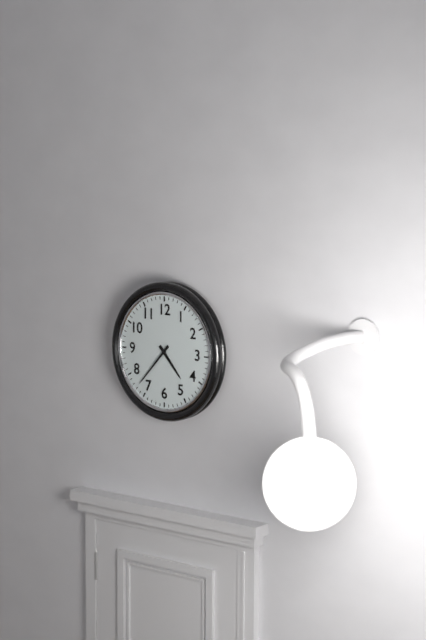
4:37
